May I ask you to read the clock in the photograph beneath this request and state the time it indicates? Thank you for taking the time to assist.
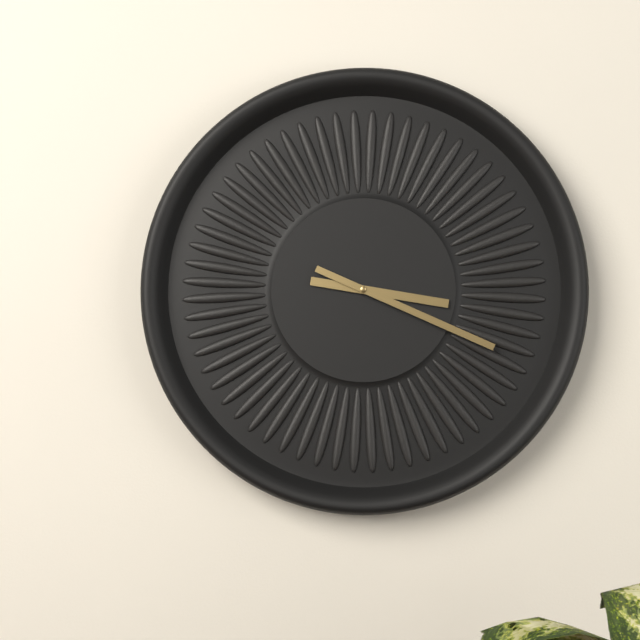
3:19
